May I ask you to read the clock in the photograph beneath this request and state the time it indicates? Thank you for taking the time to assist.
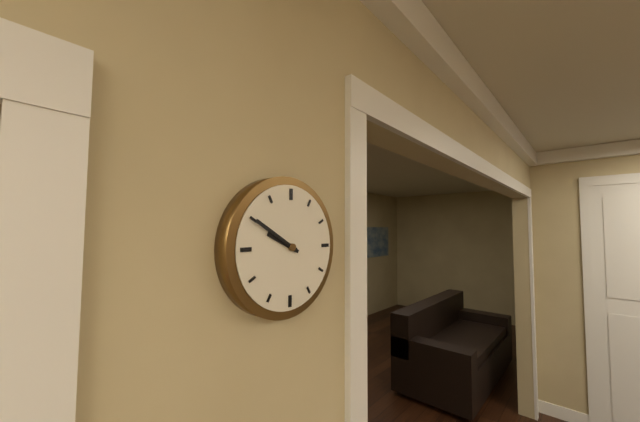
9:50
